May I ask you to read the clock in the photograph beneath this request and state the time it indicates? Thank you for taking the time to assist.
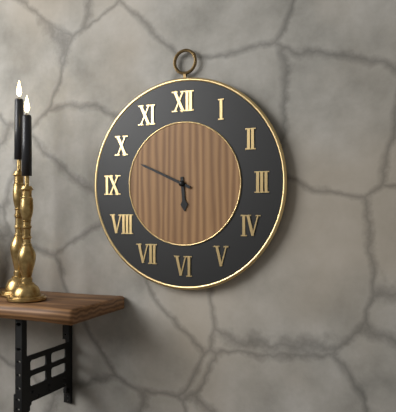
5:49
